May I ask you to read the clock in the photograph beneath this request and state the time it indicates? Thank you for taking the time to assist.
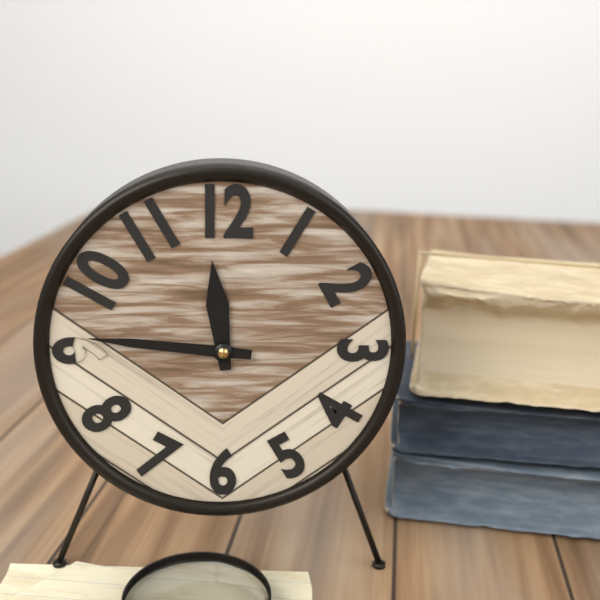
11:46
